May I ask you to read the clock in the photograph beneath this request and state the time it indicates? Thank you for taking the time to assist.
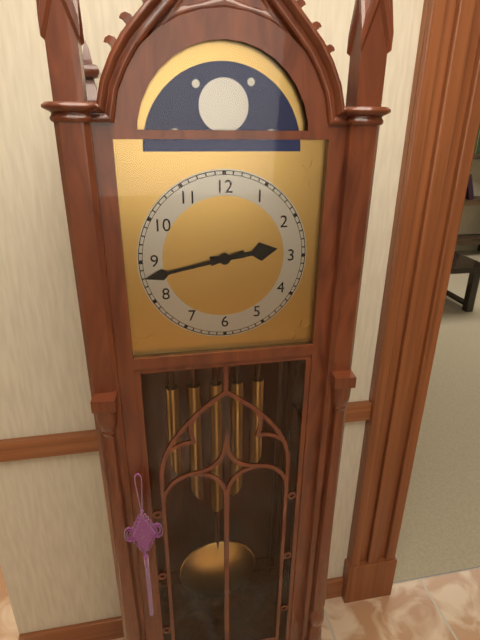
2:43
